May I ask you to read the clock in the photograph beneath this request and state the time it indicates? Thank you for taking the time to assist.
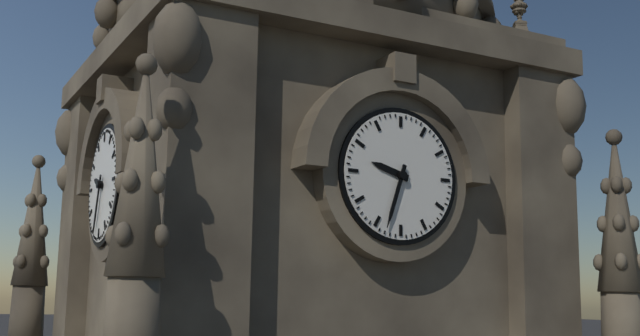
9:33
